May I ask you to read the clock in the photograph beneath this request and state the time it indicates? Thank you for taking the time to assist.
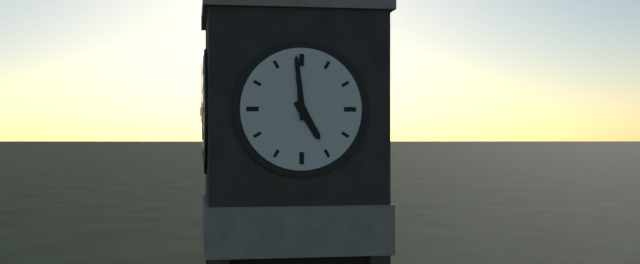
4:59
